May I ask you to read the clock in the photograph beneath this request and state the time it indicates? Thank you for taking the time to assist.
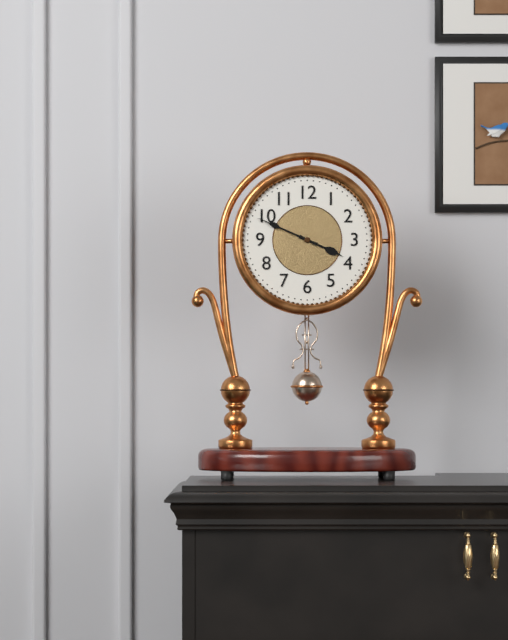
3:49
